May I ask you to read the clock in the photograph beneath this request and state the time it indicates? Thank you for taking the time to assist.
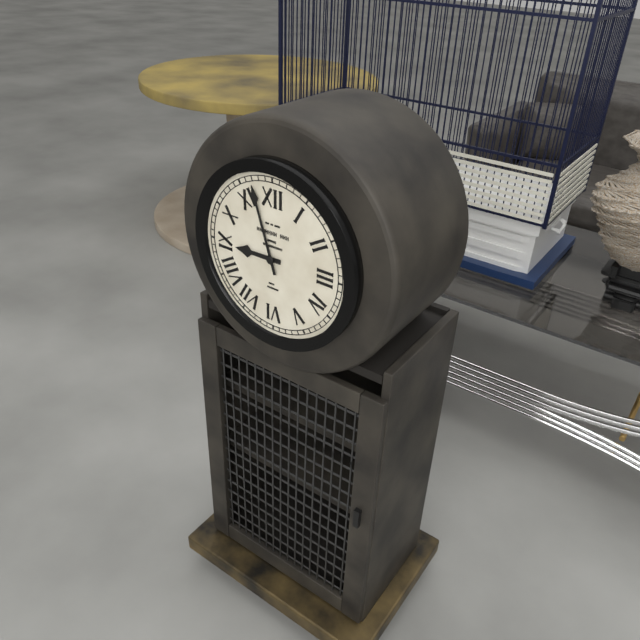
8:57
